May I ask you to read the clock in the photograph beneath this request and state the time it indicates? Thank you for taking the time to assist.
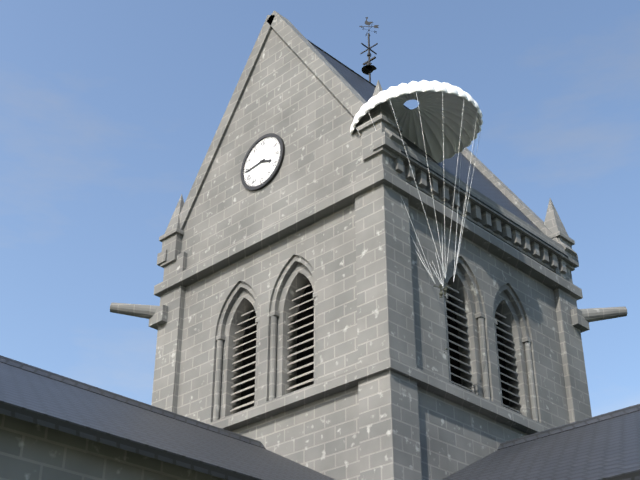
3:44
